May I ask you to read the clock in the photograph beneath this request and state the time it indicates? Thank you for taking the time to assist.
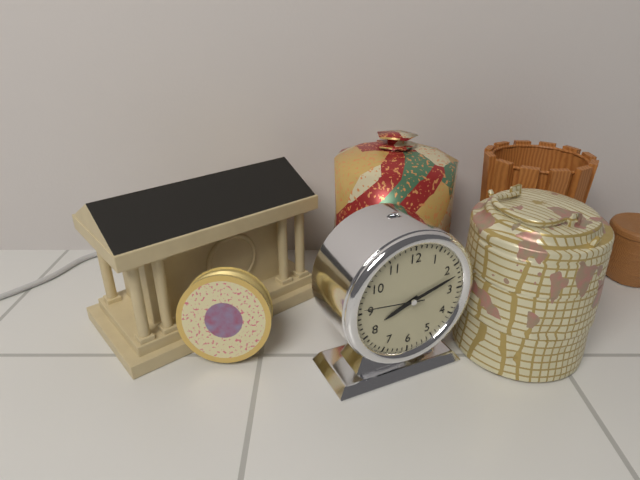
8:12:46
